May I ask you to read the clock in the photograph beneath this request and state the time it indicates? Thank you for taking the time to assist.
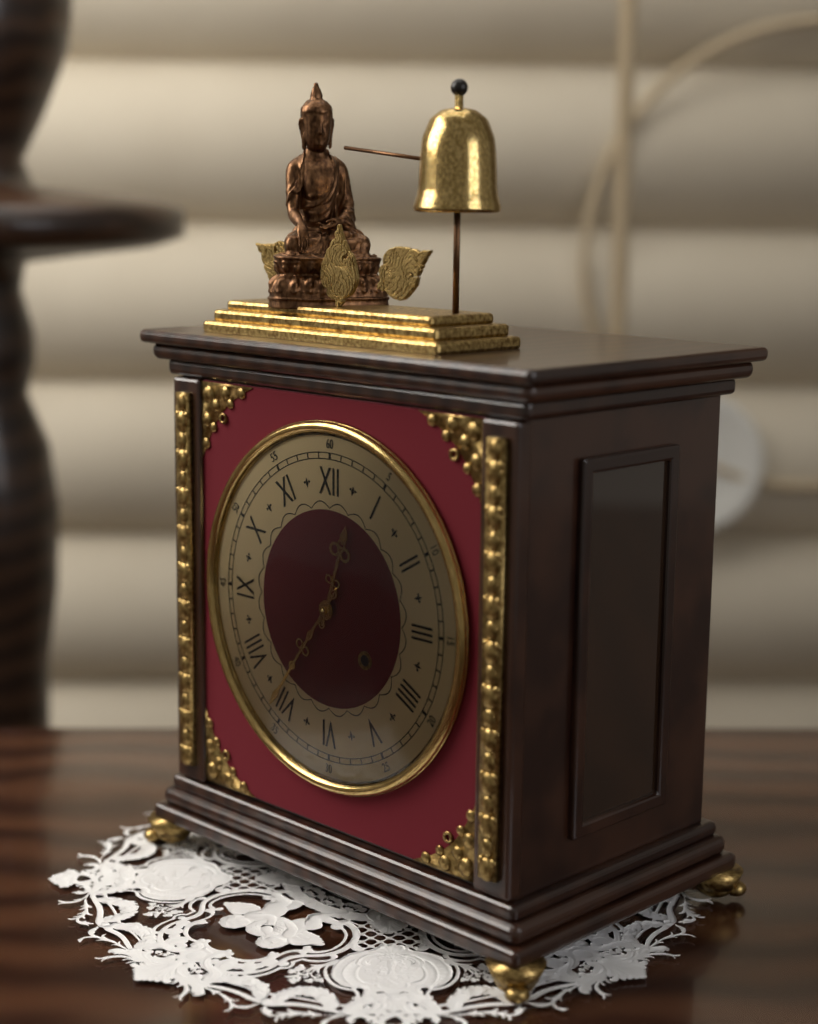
12:36
